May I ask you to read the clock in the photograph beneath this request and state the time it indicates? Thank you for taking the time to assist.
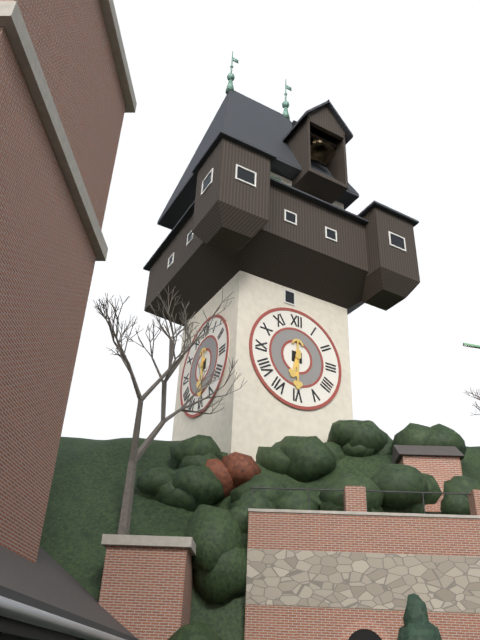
6:30
